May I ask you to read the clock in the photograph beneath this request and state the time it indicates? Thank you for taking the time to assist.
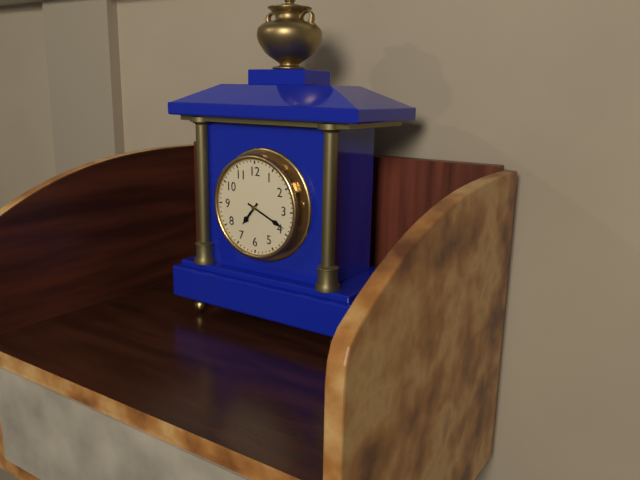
7:19
